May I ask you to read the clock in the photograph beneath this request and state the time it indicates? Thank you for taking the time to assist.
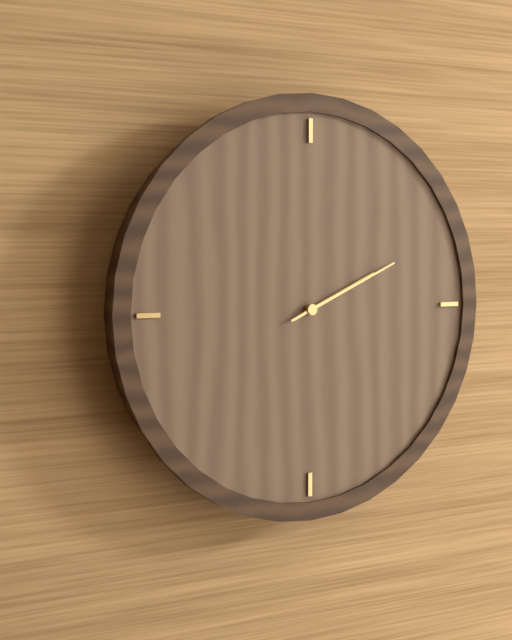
2:11
